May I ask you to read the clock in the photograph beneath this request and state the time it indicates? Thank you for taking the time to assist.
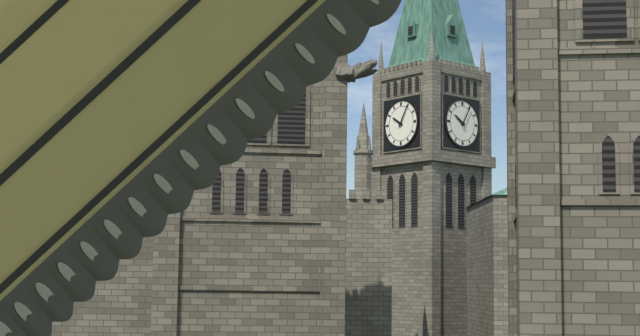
10:05
